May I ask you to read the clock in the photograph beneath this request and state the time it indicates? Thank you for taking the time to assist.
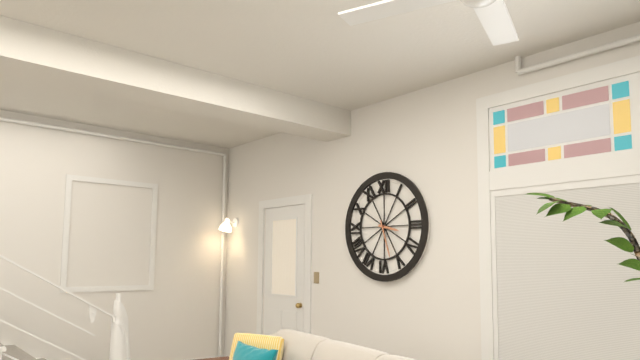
3:27
